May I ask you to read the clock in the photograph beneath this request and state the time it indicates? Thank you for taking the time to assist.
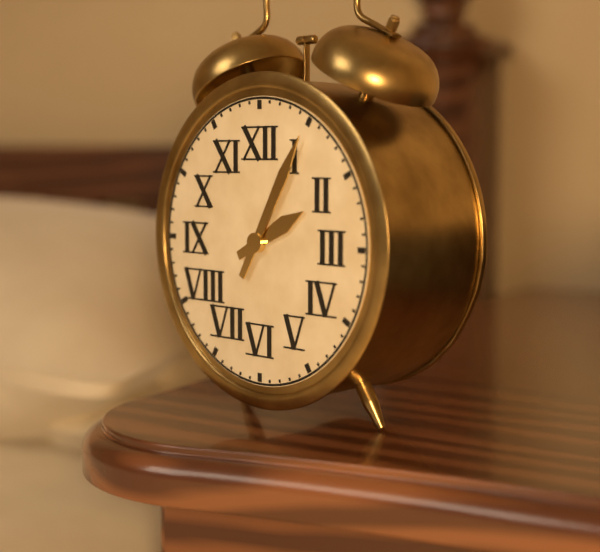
2:05
